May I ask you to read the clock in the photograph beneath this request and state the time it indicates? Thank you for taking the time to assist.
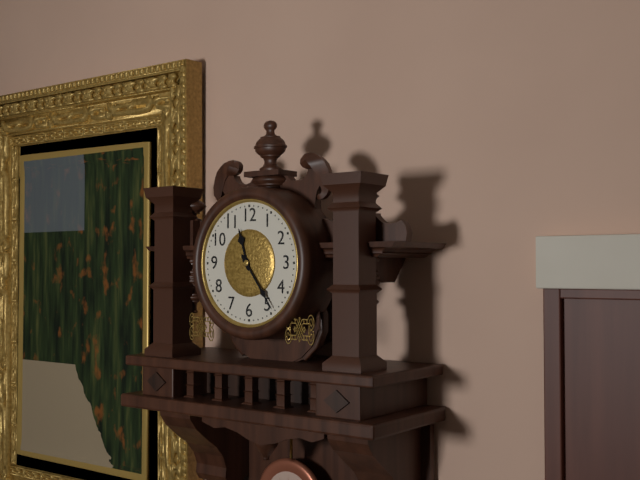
11:24
